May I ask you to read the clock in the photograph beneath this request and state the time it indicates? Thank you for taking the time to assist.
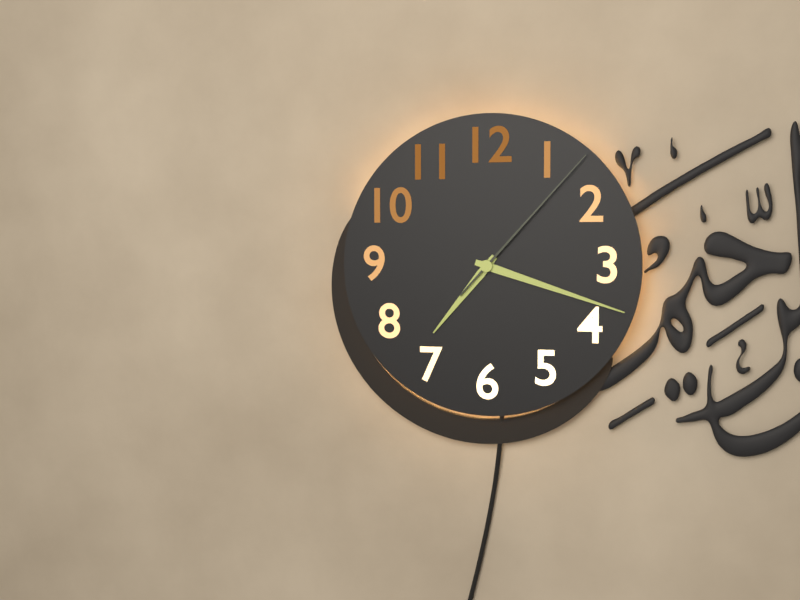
7:18:07
